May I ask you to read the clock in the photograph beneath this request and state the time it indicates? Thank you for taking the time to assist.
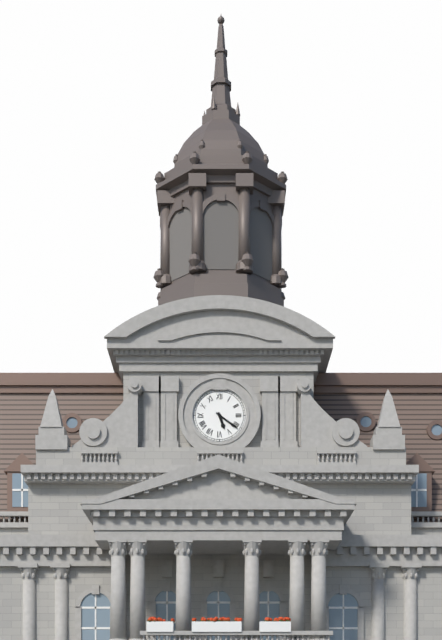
5:21
